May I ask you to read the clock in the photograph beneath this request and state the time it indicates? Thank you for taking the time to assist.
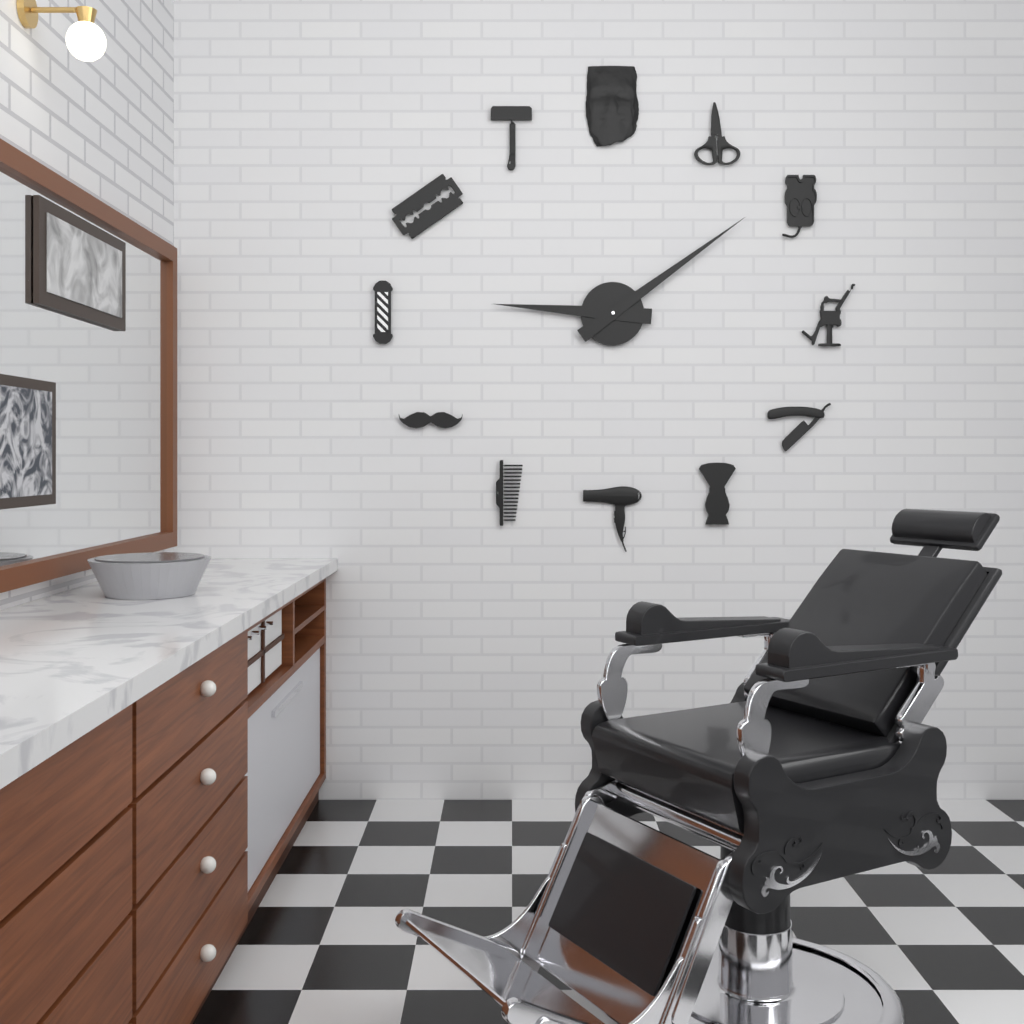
9:09
